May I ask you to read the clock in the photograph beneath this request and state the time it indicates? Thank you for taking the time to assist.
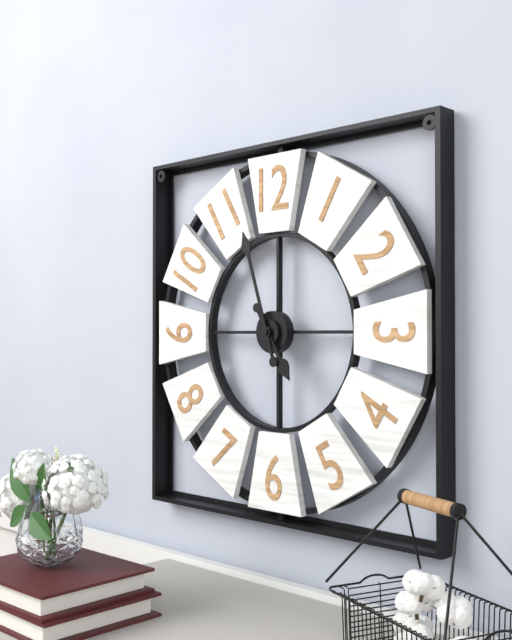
4:57
